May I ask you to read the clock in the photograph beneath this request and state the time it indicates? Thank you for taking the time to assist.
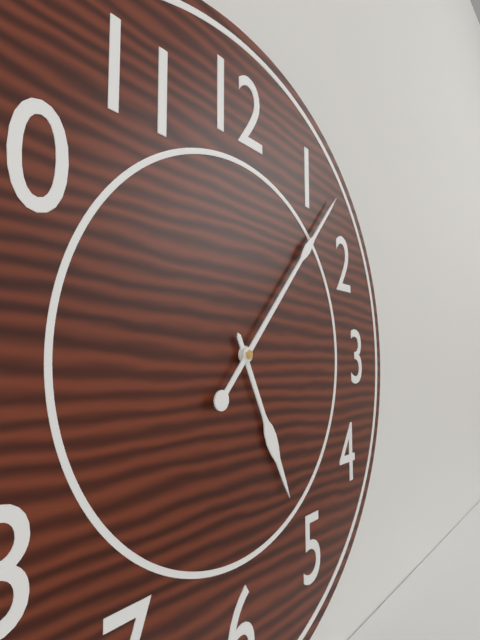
5:07
